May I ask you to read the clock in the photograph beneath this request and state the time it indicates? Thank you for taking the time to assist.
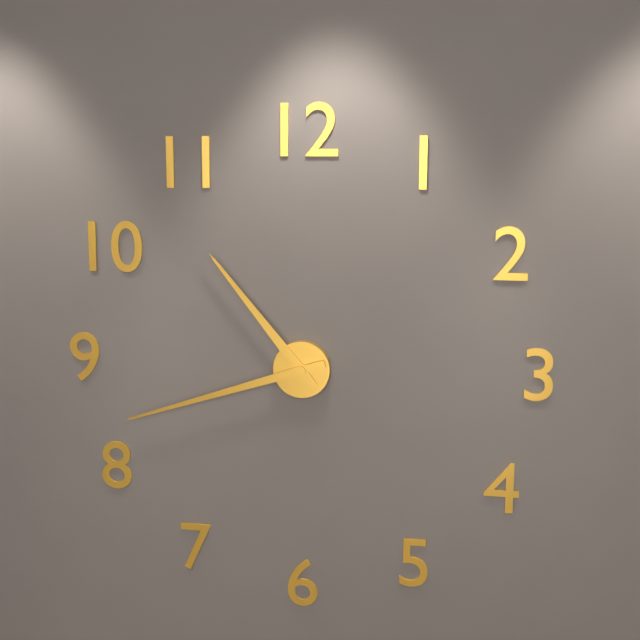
10:42
